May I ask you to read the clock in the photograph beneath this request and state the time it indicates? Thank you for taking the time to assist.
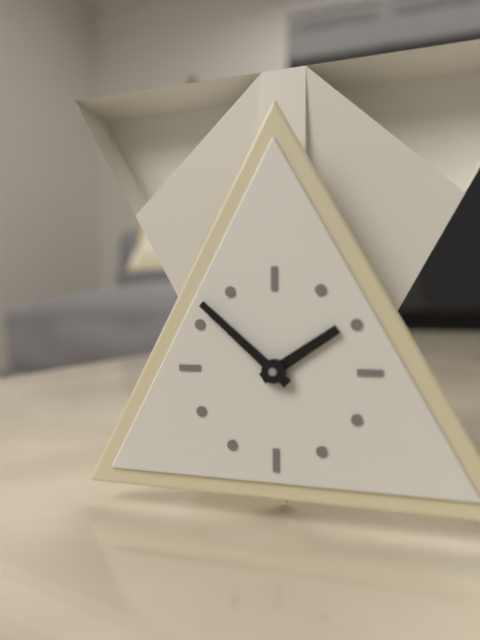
1:52
